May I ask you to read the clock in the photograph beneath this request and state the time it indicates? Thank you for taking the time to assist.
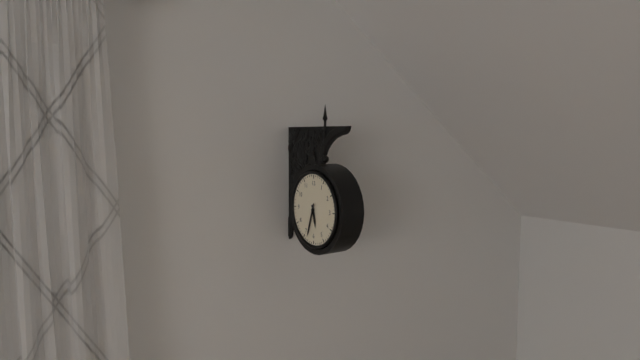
5:33
